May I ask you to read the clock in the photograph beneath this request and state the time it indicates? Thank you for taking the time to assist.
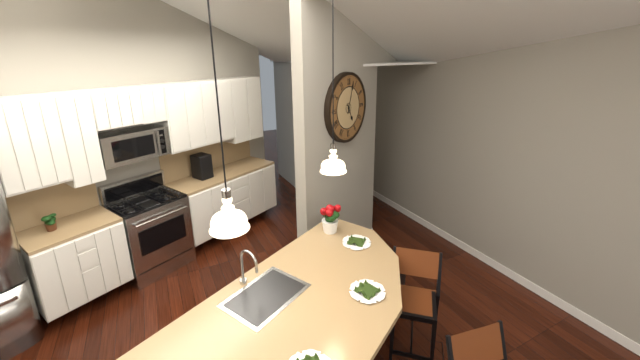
5:03
